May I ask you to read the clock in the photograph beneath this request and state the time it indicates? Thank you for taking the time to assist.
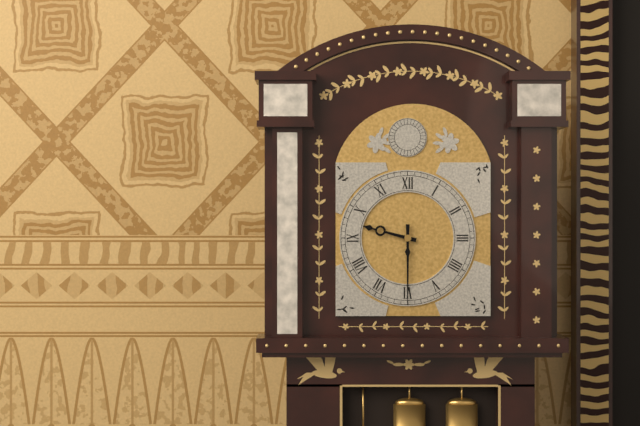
9:30
